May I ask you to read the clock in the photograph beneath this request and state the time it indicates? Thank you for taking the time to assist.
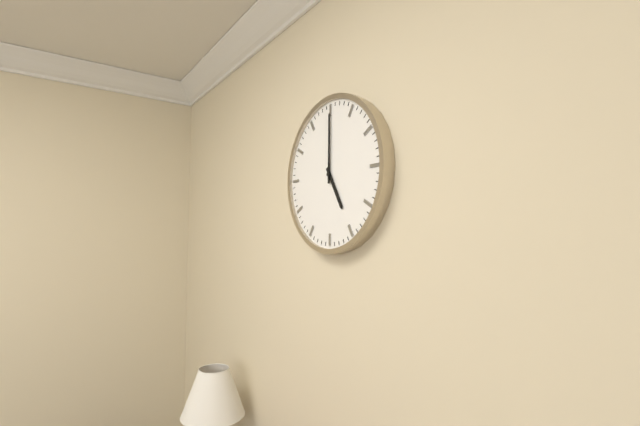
5:00
